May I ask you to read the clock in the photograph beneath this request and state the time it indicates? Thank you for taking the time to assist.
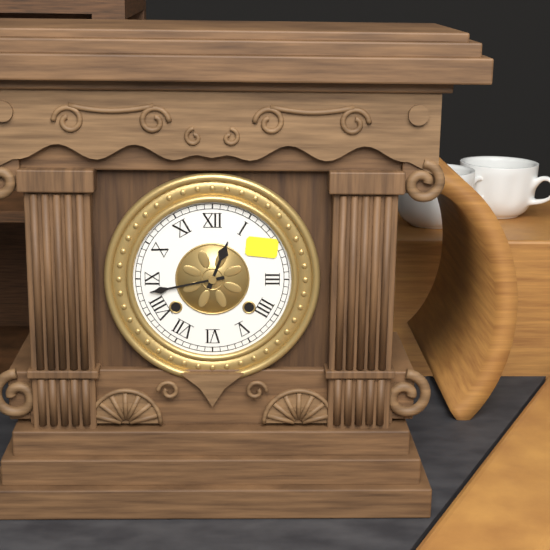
12:43
